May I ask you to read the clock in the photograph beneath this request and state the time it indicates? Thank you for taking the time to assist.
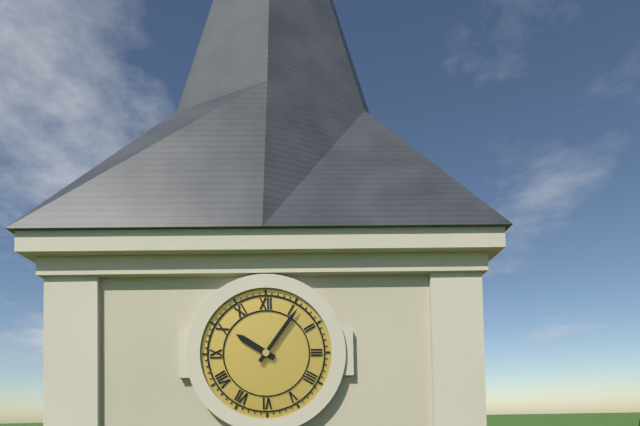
10:06
